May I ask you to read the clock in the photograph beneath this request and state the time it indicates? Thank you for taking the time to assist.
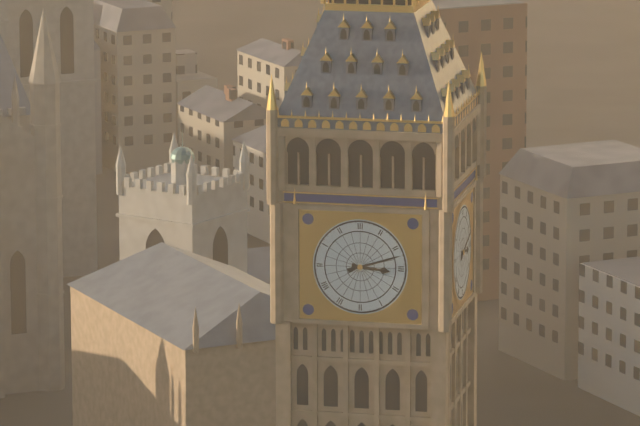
3:12
